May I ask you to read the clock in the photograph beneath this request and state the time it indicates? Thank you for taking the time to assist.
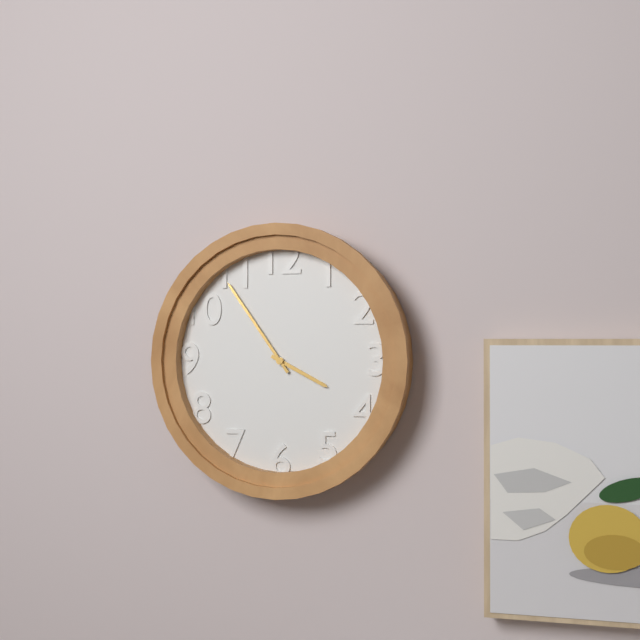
3:54
